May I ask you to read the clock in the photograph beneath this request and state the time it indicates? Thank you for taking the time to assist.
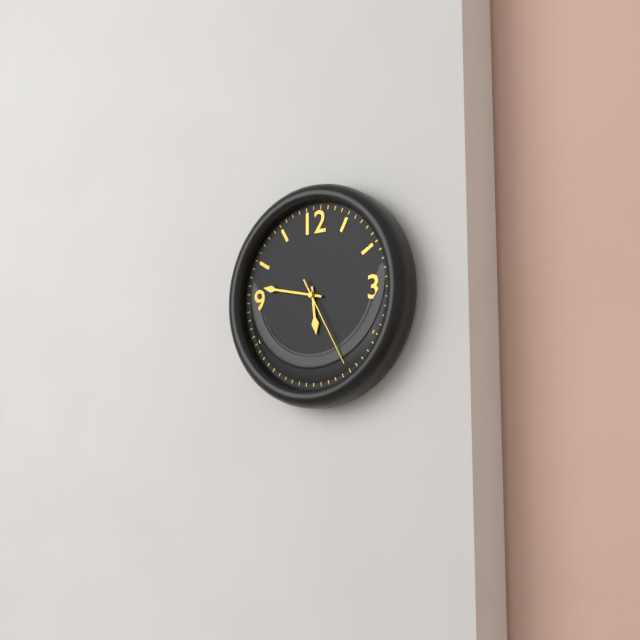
5:47:25
